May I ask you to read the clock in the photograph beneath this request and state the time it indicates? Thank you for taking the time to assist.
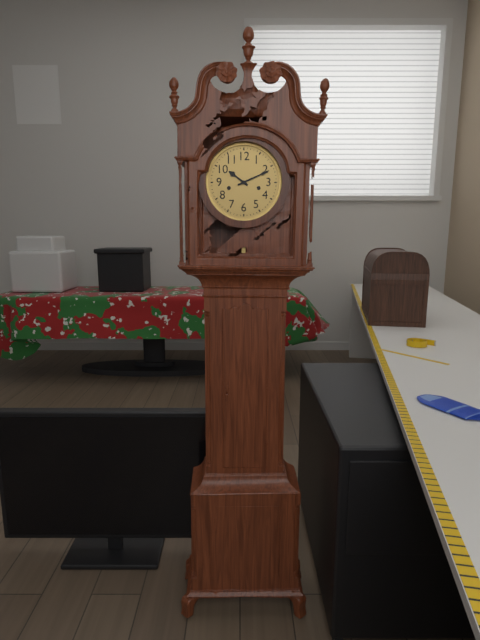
10:11
